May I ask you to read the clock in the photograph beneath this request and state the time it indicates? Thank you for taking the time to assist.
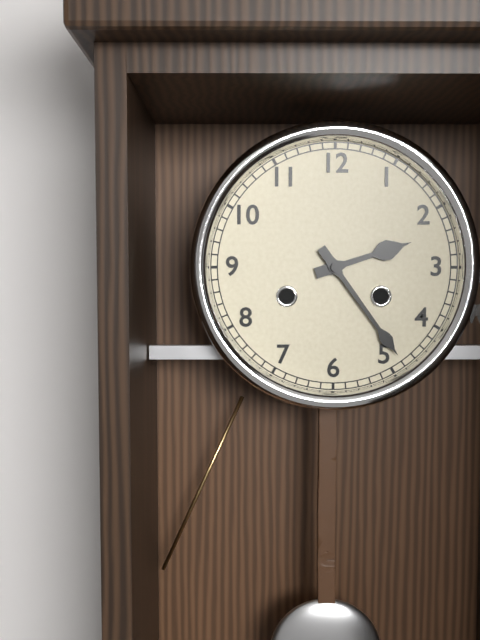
2:24
